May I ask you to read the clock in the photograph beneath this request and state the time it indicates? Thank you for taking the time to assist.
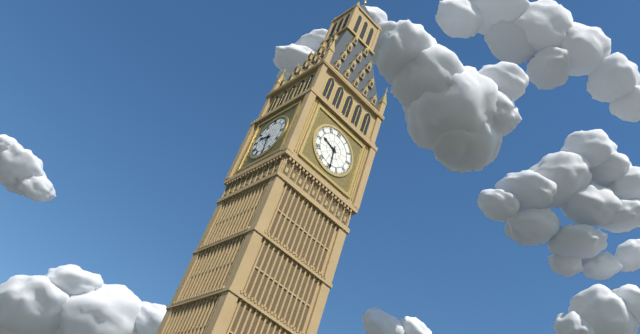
9:29
